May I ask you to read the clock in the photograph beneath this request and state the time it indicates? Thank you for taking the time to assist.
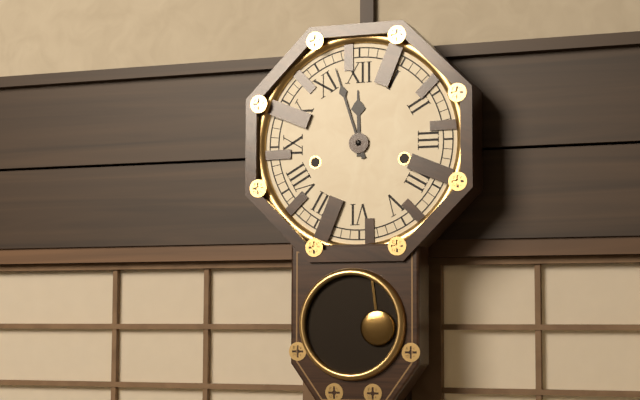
11:57
